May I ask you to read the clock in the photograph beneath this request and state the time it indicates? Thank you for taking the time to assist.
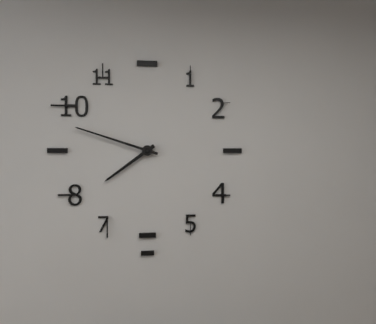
7:48
